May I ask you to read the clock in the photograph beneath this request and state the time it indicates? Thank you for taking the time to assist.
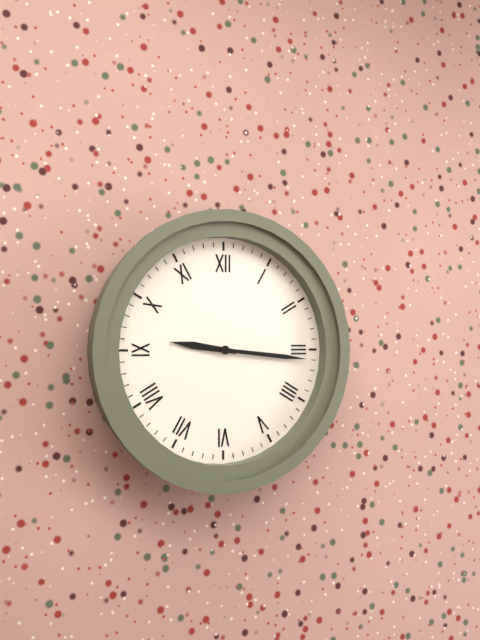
9:16
